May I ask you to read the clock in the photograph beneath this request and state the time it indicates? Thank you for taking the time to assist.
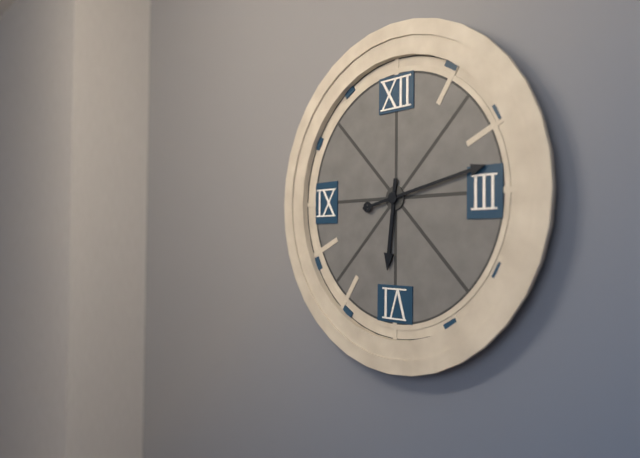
6:13
